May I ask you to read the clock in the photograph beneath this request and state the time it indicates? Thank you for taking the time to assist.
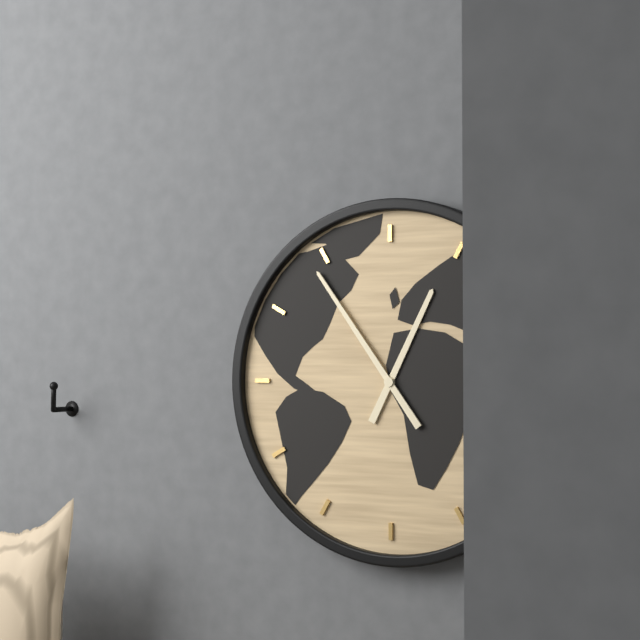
12:54
